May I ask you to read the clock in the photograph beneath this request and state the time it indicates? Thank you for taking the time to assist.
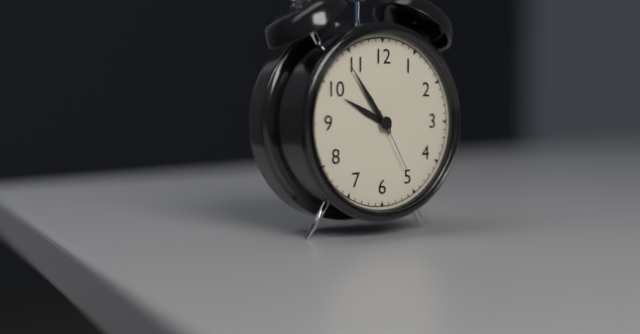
9:54:25
